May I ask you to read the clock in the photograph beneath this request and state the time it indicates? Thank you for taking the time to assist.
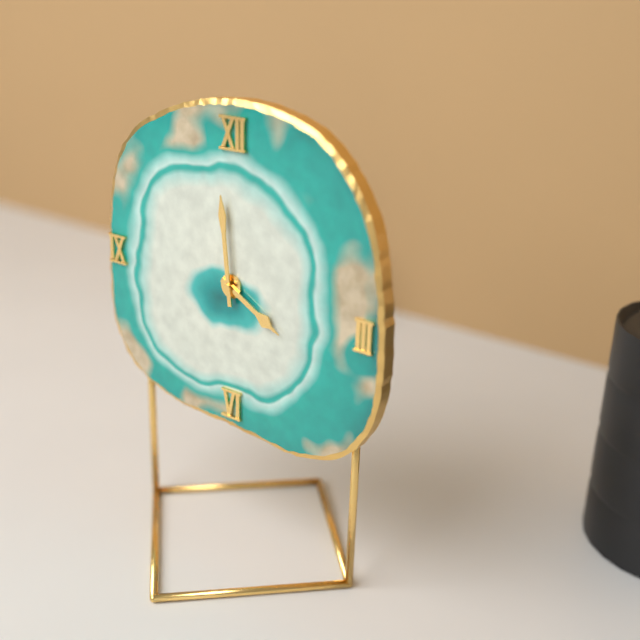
3:59
